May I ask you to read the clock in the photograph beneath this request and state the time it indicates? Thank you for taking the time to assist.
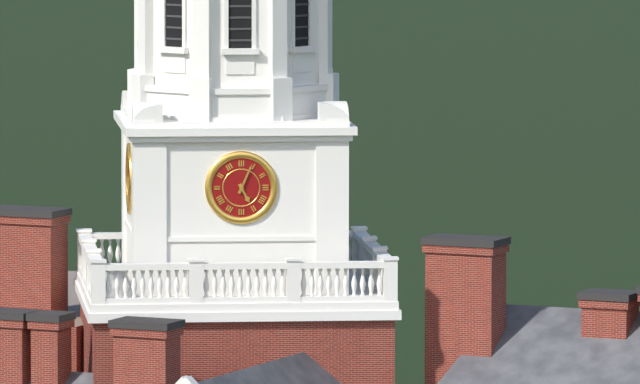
5:04
